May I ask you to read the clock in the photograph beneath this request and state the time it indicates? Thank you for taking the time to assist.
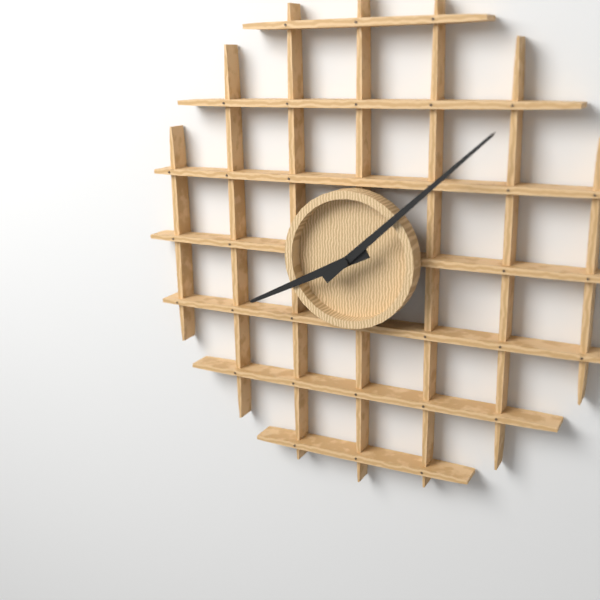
8:08
